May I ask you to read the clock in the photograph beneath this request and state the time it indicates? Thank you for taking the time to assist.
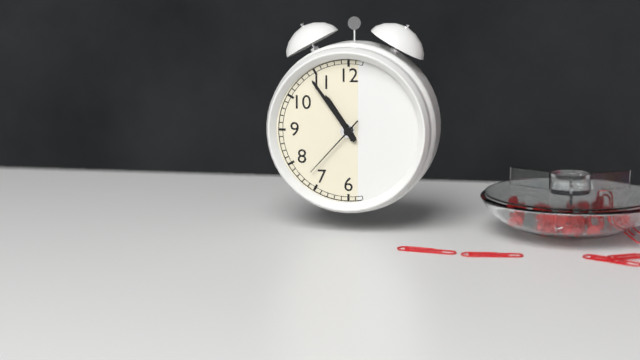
10:54:37
